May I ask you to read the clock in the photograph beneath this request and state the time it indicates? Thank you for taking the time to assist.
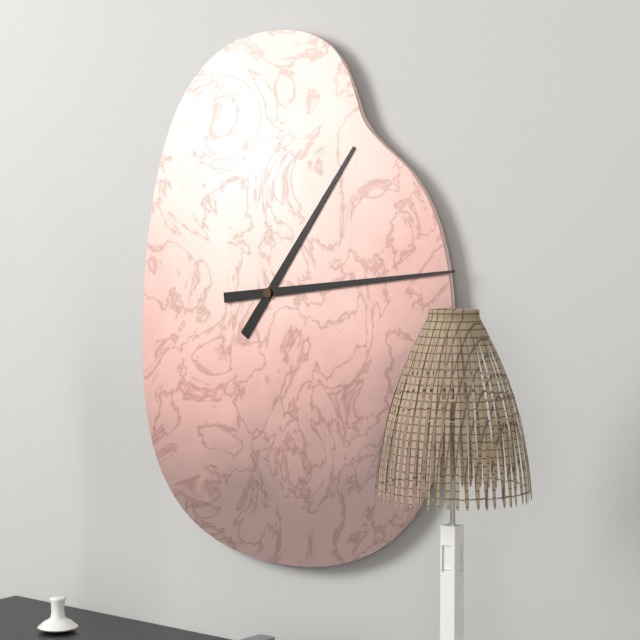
1:14
